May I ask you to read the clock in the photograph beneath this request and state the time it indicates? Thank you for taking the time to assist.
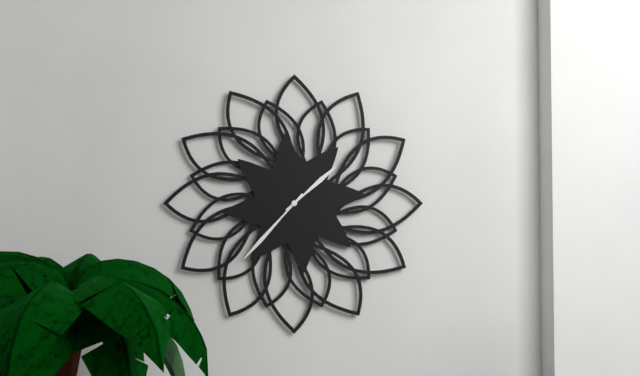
1:37
